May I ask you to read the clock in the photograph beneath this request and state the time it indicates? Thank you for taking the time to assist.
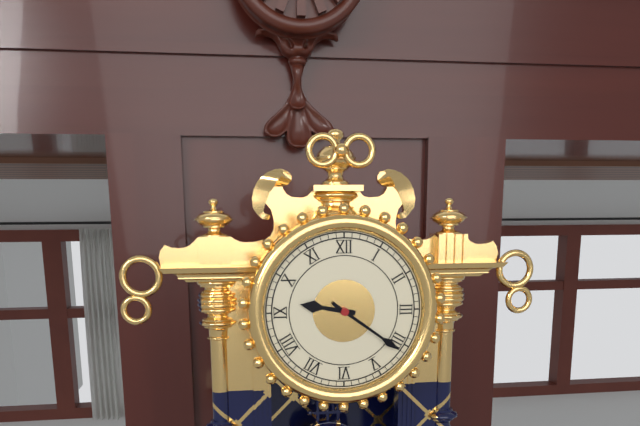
9:21
